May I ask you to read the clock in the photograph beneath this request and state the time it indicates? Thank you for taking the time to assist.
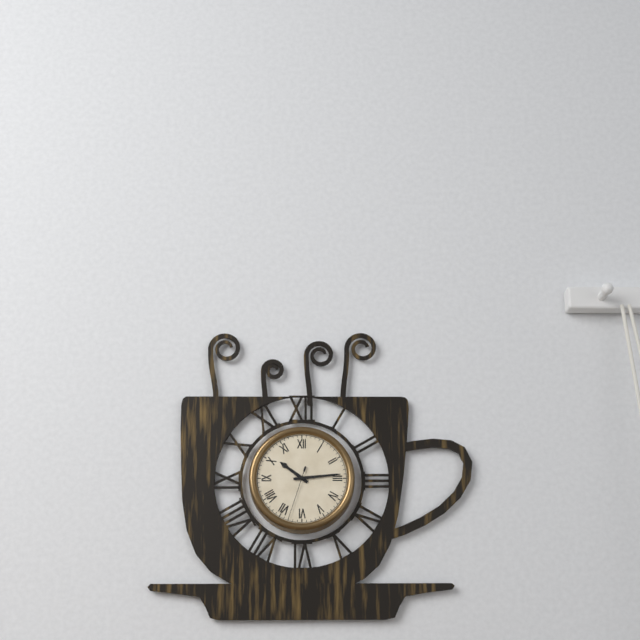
10:14:33
